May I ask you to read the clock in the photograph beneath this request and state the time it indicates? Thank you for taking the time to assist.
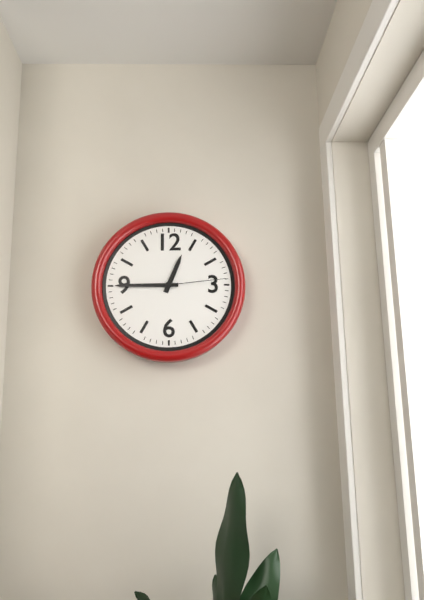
12:45:14
